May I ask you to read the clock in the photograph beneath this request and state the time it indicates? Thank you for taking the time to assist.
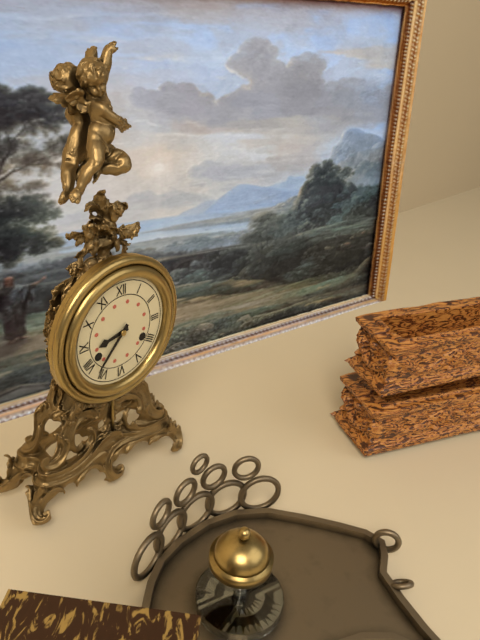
8:37
